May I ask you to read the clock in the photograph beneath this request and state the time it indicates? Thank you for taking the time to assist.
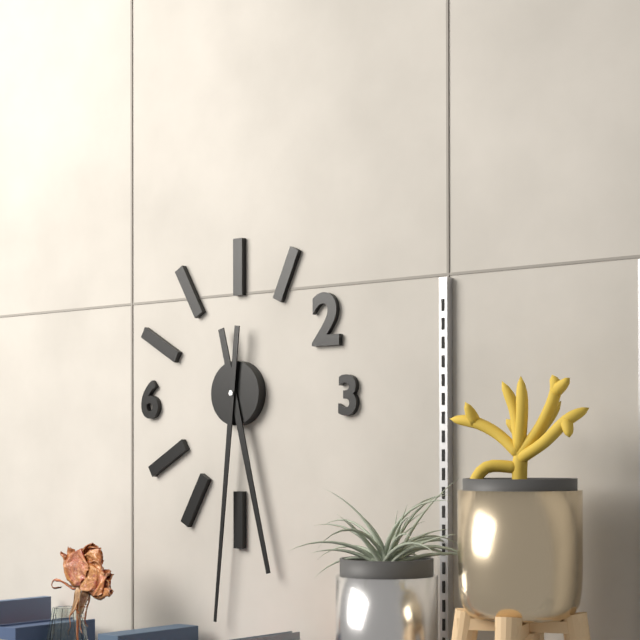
5:31
